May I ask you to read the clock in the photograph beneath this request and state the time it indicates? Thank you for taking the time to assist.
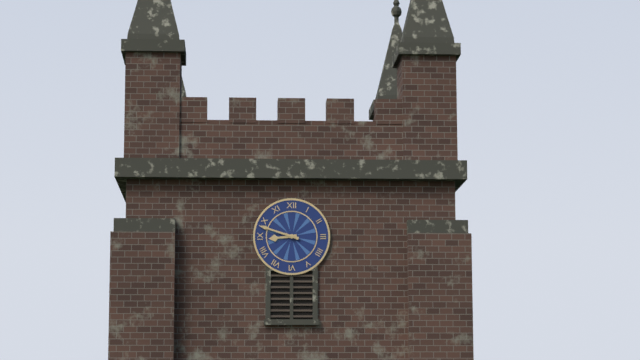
8:48
